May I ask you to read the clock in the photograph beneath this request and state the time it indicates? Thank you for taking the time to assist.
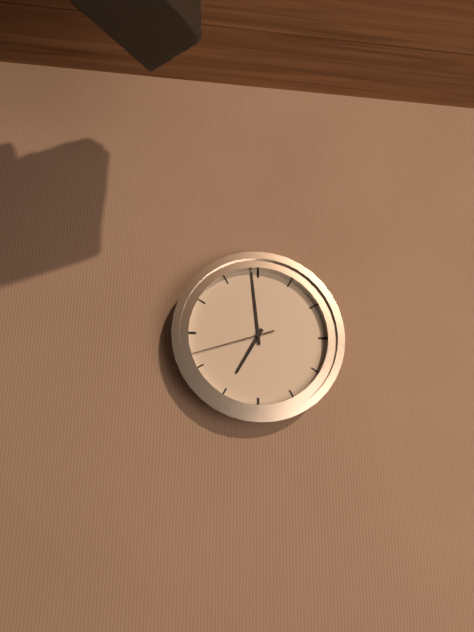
6:59:42
